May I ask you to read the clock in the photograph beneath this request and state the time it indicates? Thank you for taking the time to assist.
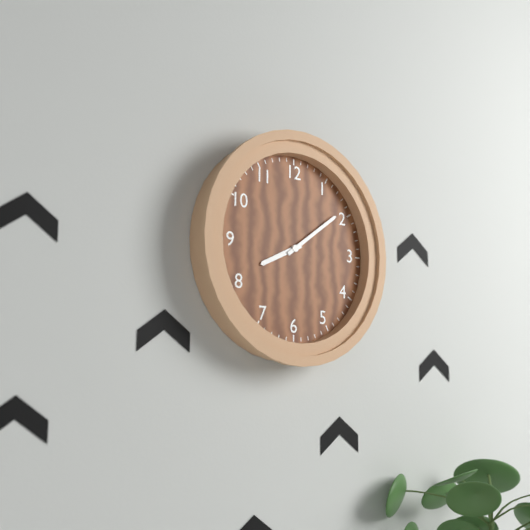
8:09
